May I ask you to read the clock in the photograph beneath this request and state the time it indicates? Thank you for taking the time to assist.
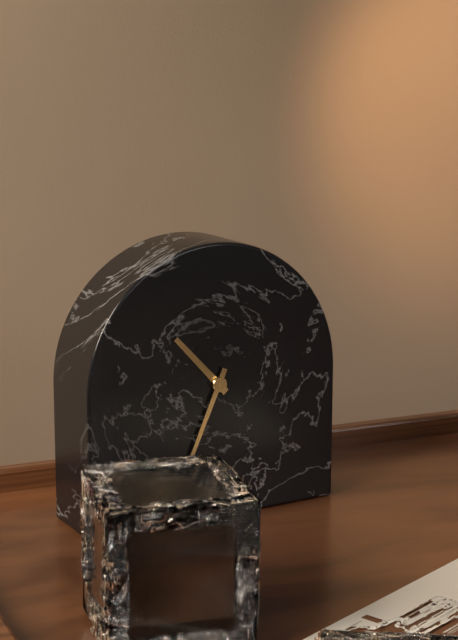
10:34
